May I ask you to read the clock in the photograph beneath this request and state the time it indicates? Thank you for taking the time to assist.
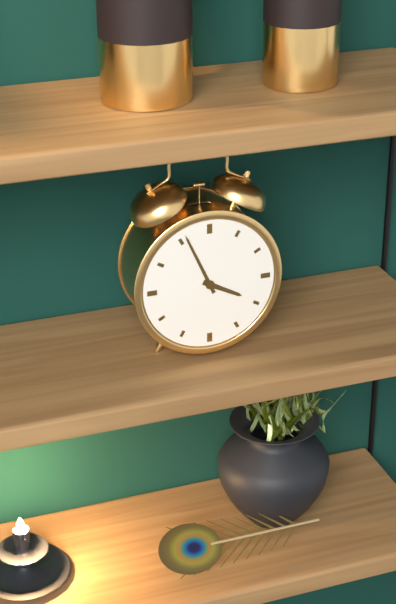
3:56
